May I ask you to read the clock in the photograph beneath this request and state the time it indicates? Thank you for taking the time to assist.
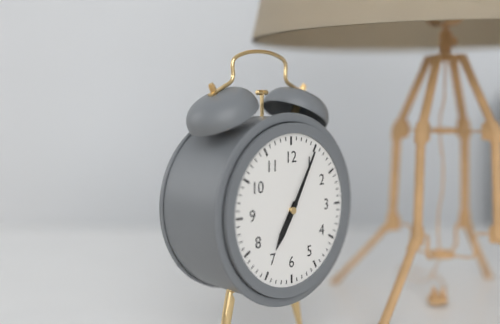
7:05
